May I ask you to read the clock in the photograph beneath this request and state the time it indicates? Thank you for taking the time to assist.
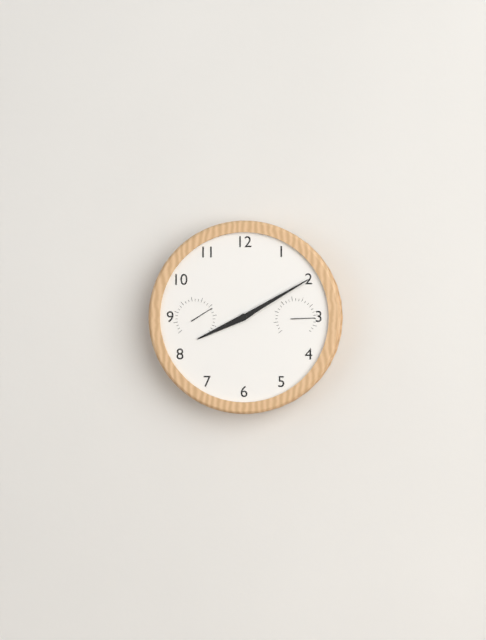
8:10
